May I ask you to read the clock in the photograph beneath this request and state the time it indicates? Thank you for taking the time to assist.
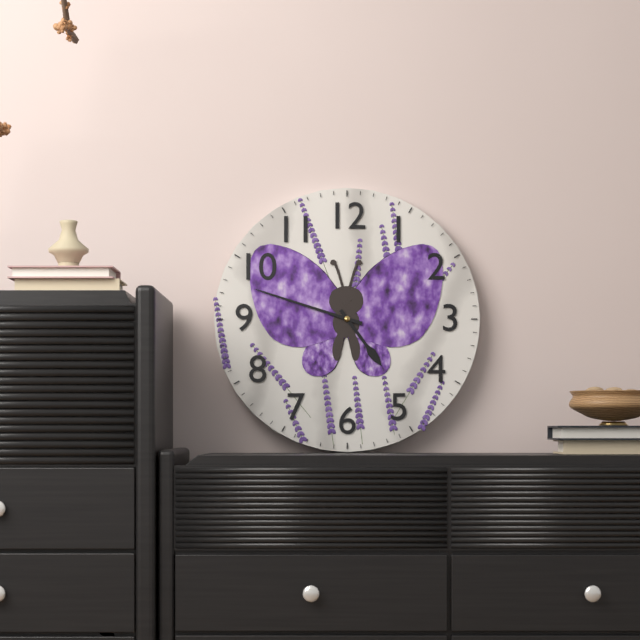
4:48
